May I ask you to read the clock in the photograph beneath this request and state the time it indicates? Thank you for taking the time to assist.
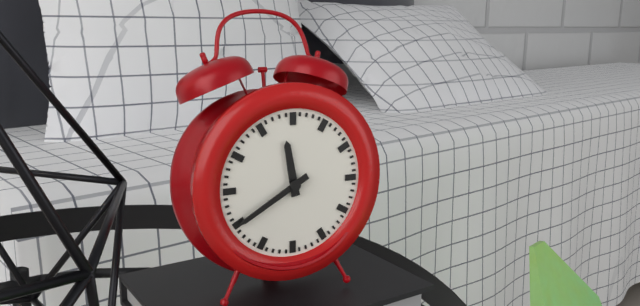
11:40
